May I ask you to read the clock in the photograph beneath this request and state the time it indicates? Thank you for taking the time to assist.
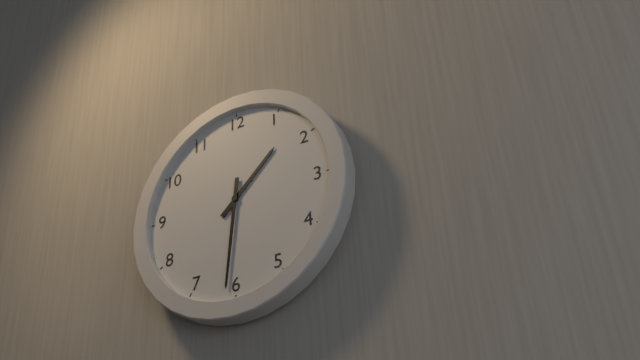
1:31
